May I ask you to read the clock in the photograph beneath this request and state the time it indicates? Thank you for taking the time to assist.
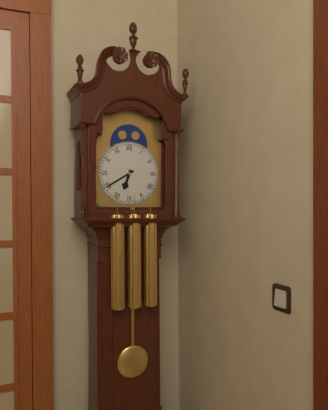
6:40
